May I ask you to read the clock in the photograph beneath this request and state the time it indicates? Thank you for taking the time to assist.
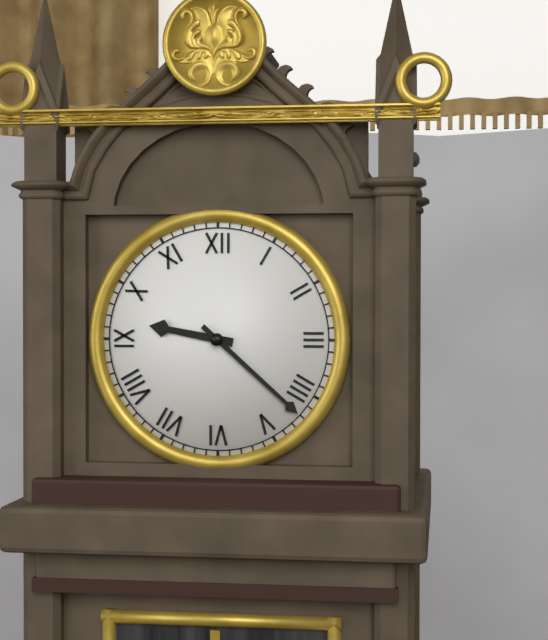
9:22
